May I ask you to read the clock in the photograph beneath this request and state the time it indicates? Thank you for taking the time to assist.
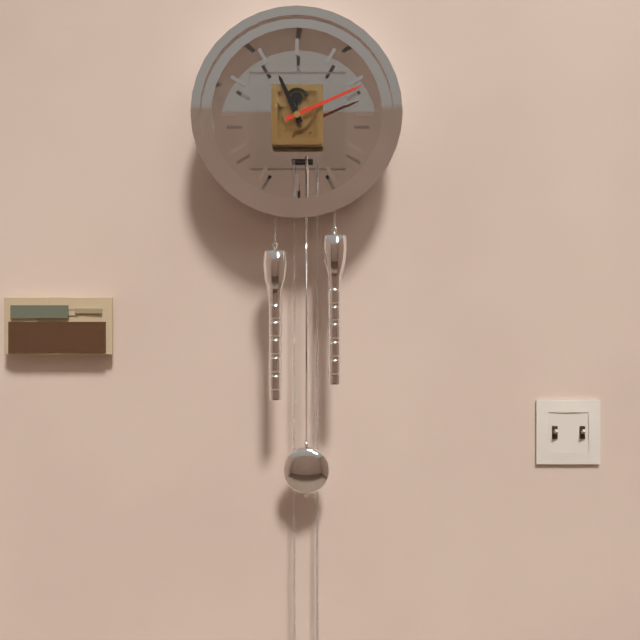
11:11
